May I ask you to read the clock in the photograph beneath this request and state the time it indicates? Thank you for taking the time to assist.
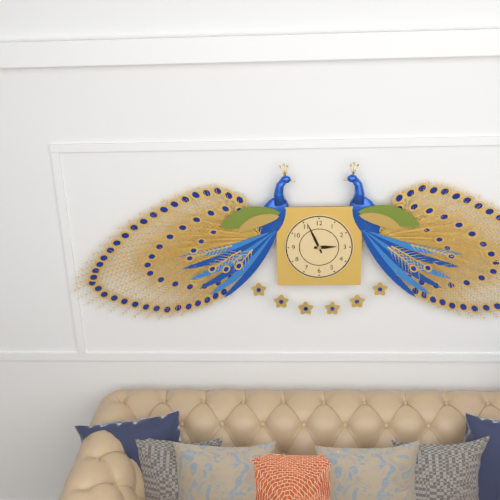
2:56
